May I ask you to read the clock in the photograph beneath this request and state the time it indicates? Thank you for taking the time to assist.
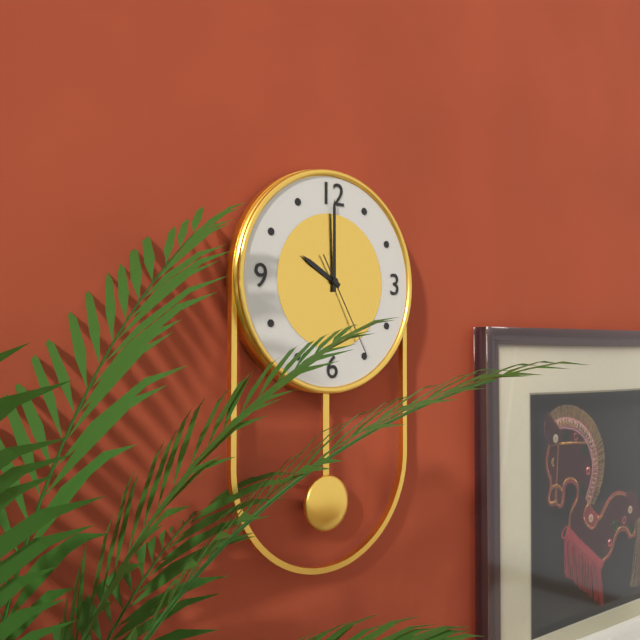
10:00:25
